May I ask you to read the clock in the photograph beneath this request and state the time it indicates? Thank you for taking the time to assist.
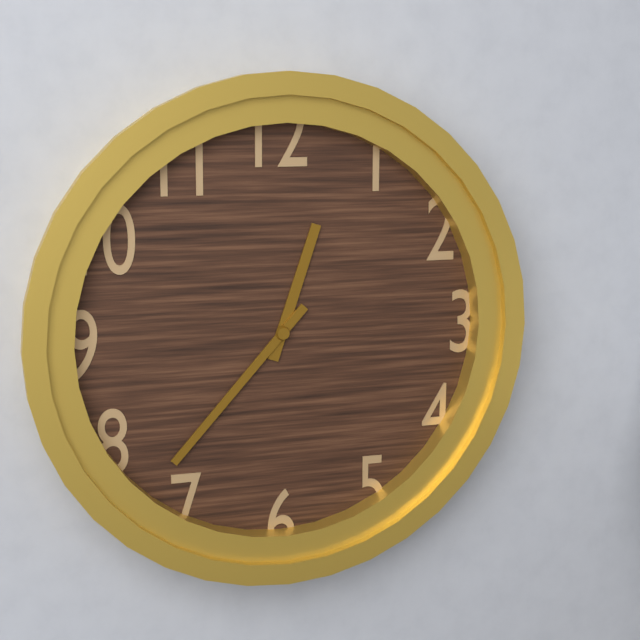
12:37
